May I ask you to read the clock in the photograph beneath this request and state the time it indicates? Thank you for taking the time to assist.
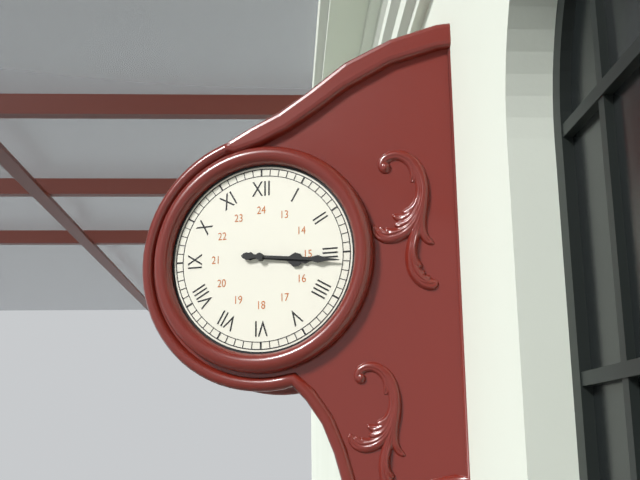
3:16
